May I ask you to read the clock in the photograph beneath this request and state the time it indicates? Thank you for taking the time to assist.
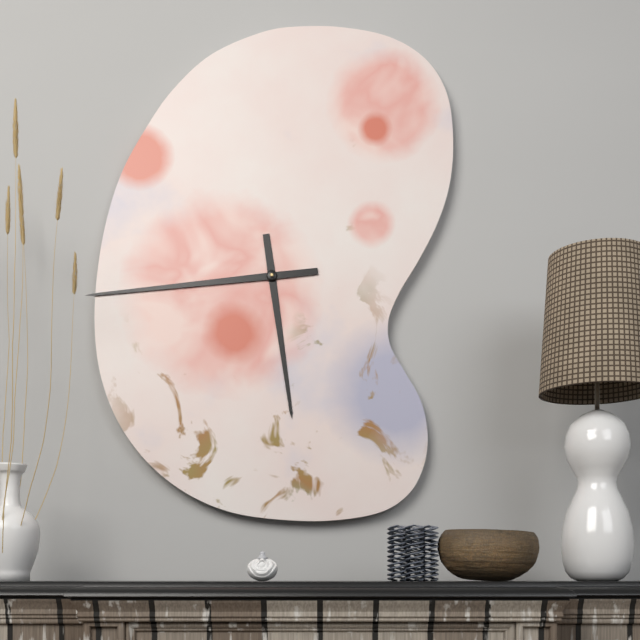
5:44
